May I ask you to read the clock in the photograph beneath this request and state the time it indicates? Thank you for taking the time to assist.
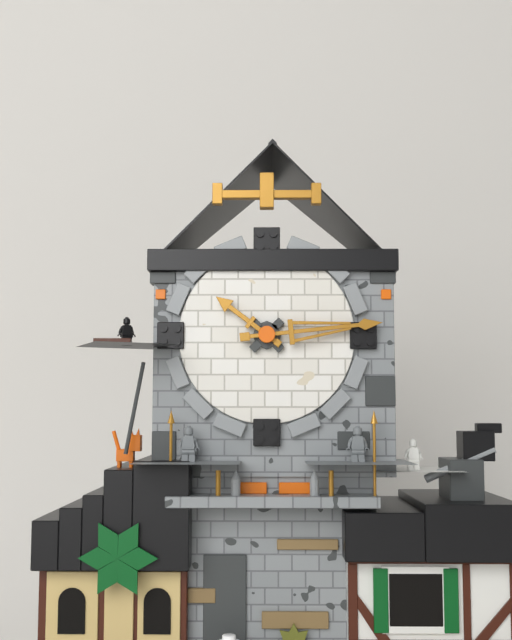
10:14
